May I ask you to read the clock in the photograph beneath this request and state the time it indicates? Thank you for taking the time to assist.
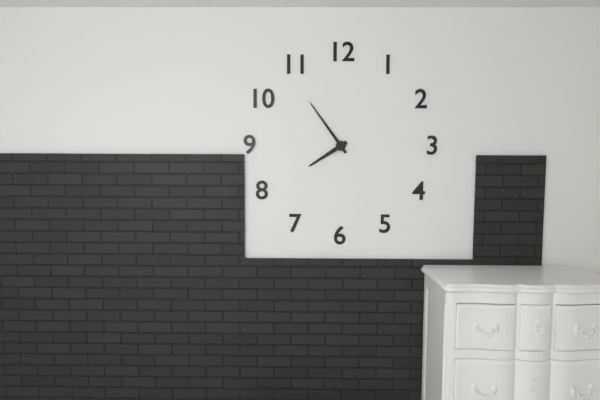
7:54
